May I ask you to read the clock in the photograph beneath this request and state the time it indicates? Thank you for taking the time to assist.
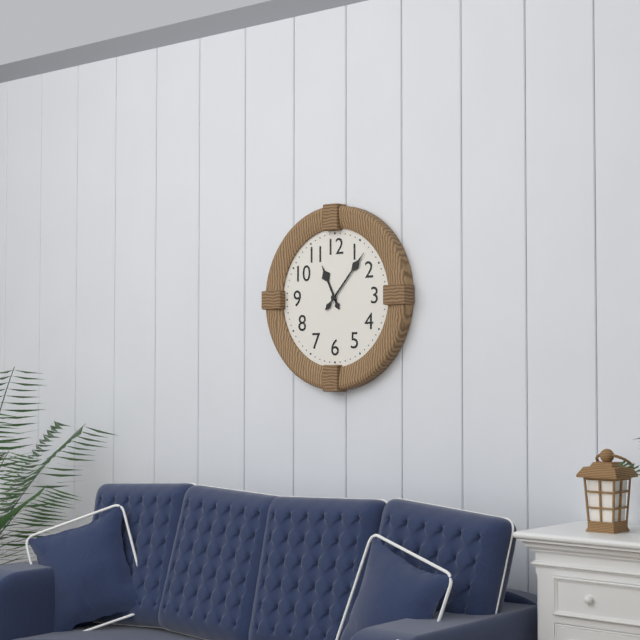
11:07
